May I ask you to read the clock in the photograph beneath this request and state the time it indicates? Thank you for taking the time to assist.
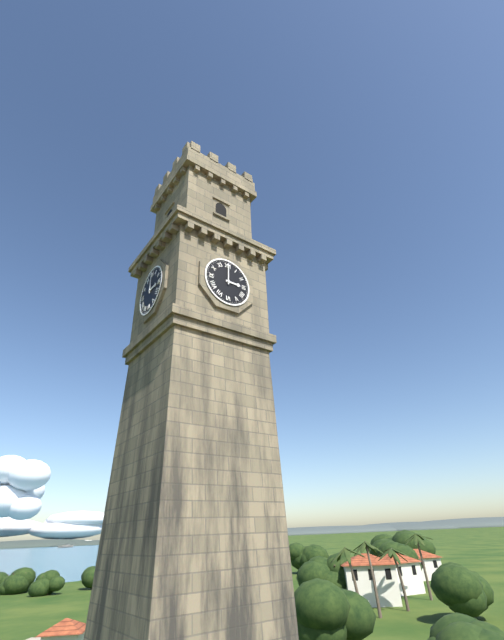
3:00
